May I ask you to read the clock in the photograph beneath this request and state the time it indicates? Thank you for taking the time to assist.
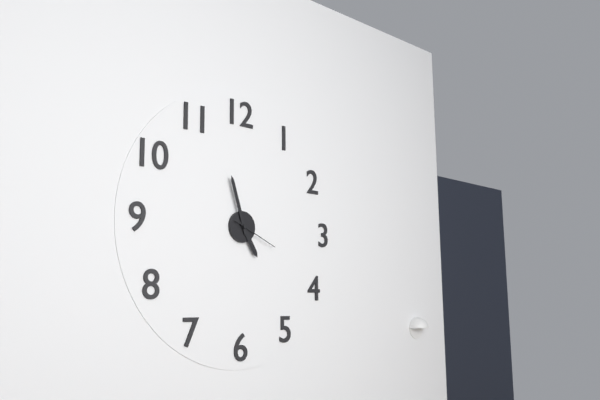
4:57
